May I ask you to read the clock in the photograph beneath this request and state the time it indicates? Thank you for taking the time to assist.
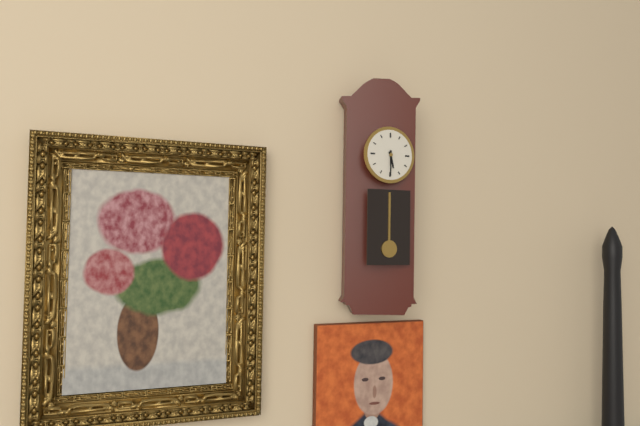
5:30
